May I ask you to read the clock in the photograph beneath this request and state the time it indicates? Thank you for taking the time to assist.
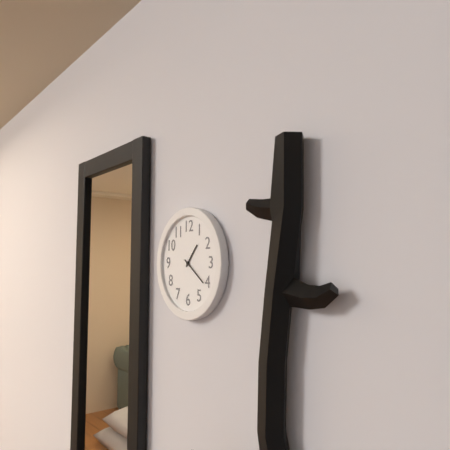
1:21
